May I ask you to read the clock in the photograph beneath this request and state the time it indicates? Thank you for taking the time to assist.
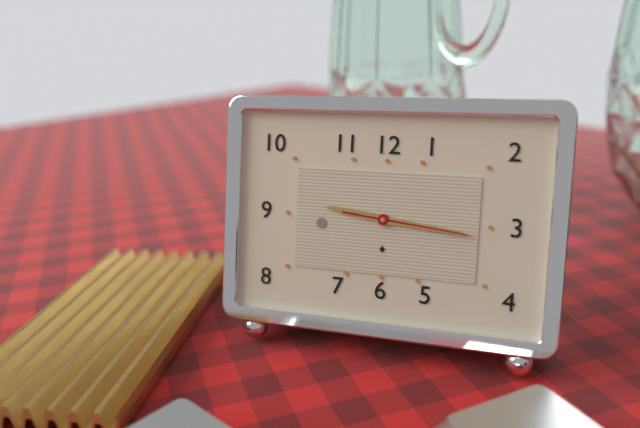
9:16:16
